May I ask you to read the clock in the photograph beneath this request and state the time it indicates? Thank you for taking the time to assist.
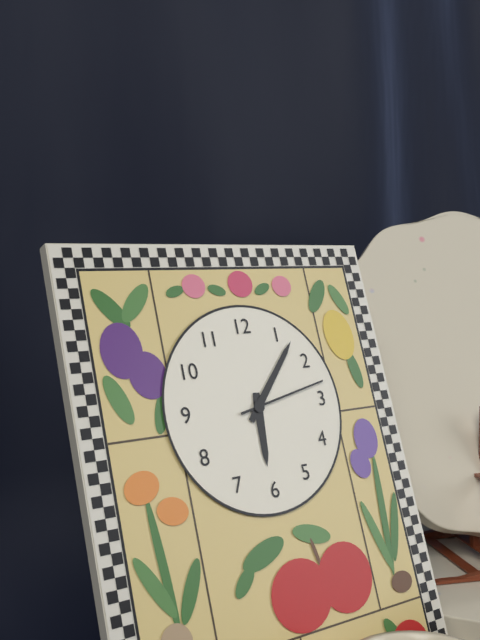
6:07:13
